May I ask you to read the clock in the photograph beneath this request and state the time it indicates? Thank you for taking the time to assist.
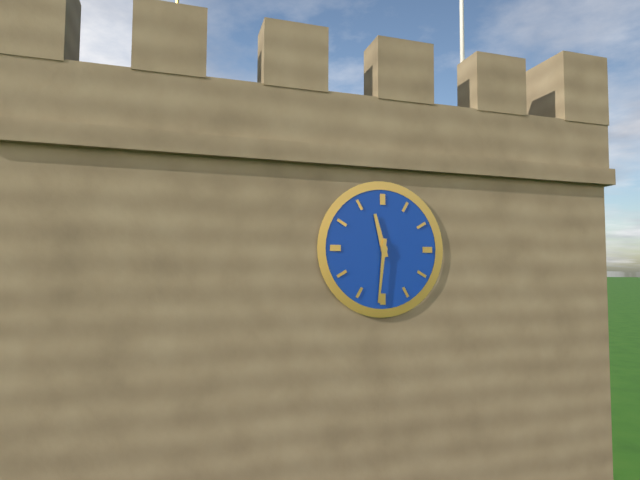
11:31
